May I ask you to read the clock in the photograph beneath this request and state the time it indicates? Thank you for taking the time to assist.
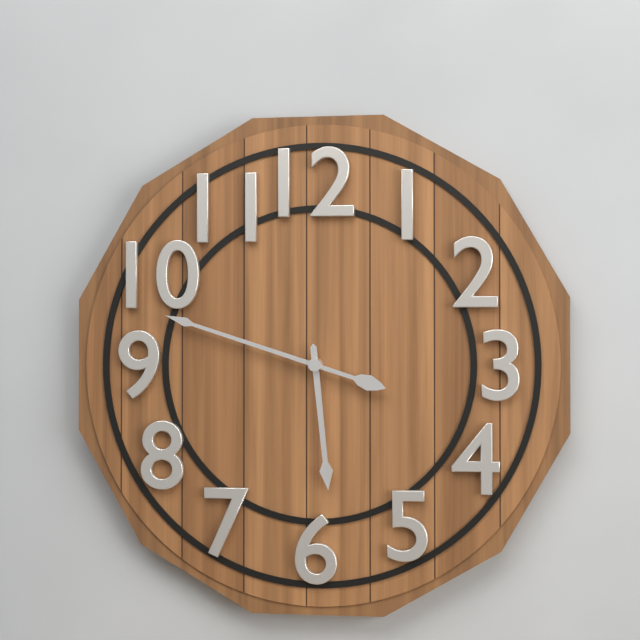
5:48
